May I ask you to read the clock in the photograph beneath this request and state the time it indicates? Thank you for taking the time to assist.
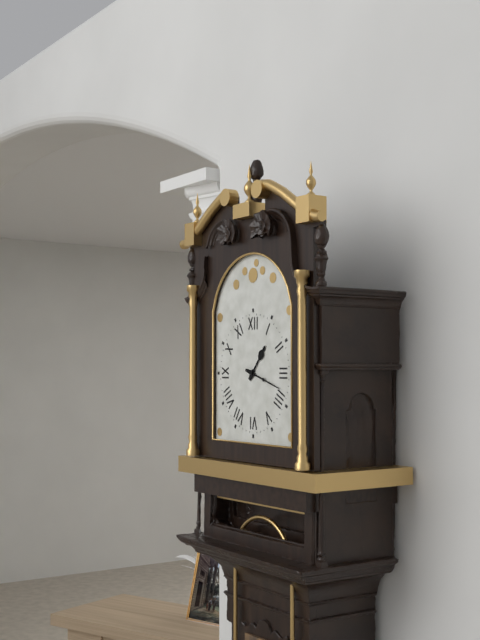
1:18
